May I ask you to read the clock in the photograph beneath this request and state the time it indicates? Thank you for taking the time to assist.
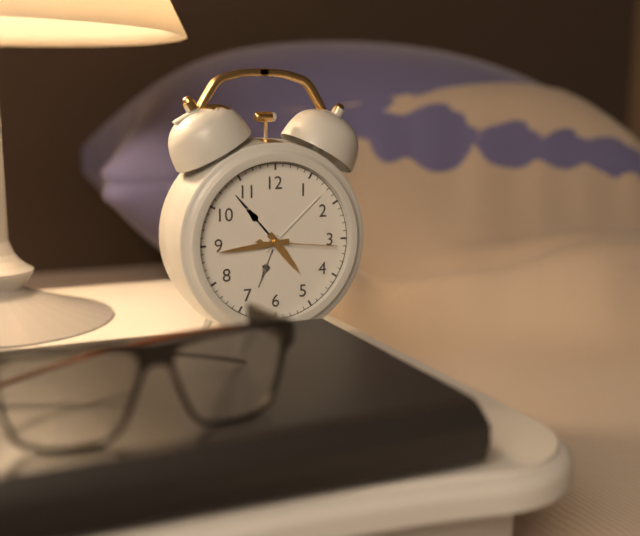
4:44:16
